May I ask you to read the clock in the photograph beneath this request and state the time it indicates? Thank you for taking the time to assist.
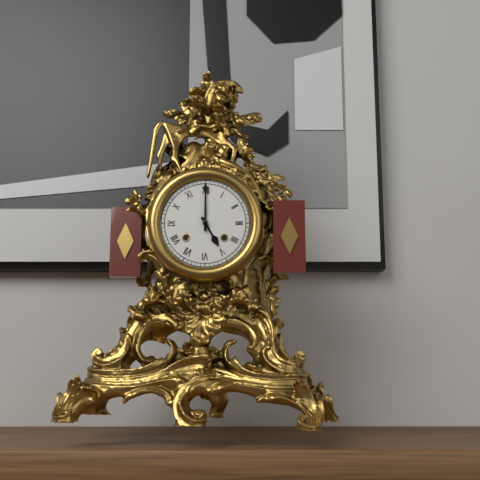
5:00
